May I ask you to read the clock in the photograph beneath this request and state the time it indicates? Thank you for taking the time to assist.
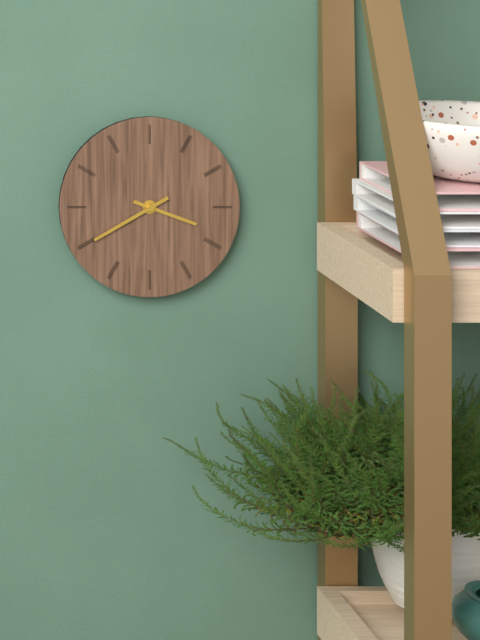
3:40
